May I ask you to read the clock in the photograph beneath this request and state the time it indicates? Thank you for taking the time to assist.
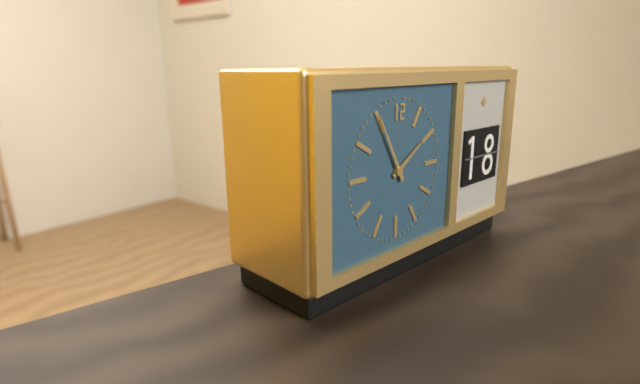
1:55
